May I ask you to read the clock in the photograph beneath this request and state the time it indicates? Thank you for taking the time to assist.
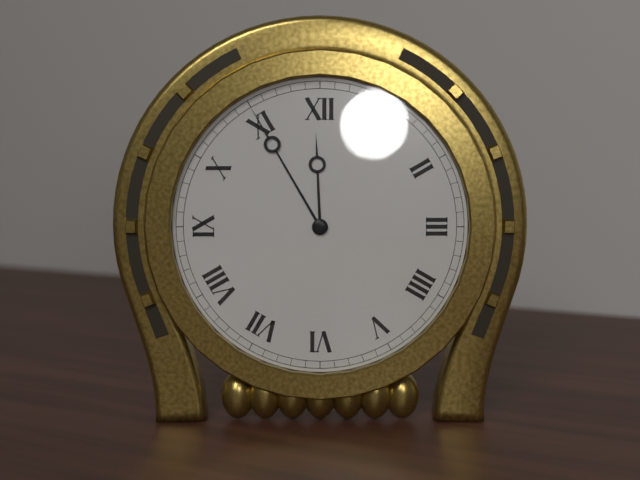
11:55
